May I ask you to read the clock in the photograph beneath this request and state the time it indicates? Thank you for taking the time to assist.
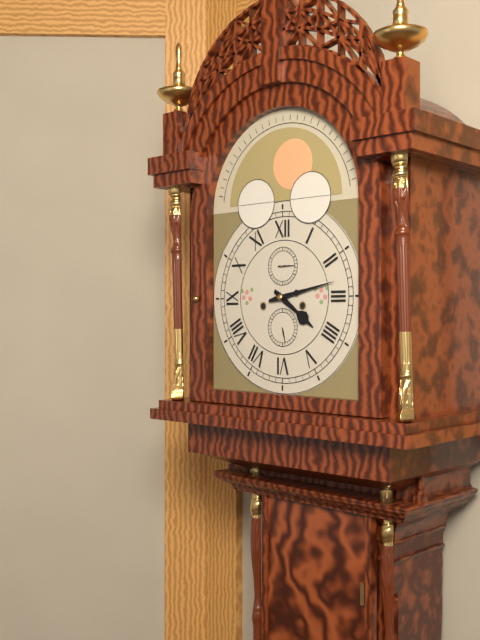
4:13
